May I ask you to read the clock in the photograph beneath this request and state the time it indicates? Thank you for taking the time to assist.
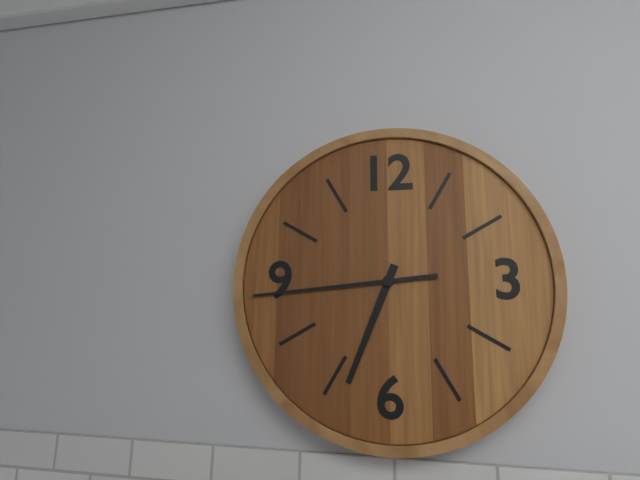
6:44
